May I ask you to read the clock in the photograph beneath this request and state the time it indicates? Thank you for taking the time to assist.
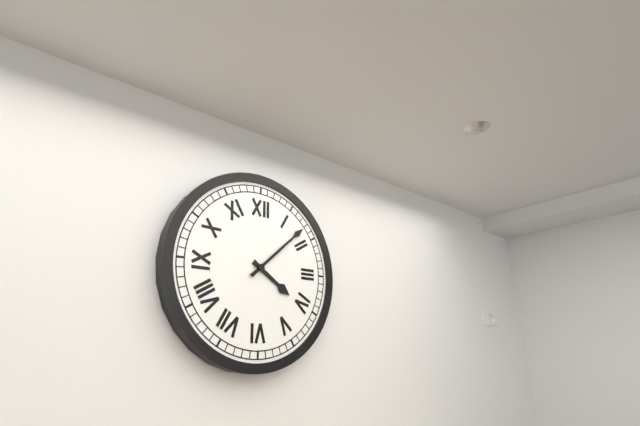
4:08
